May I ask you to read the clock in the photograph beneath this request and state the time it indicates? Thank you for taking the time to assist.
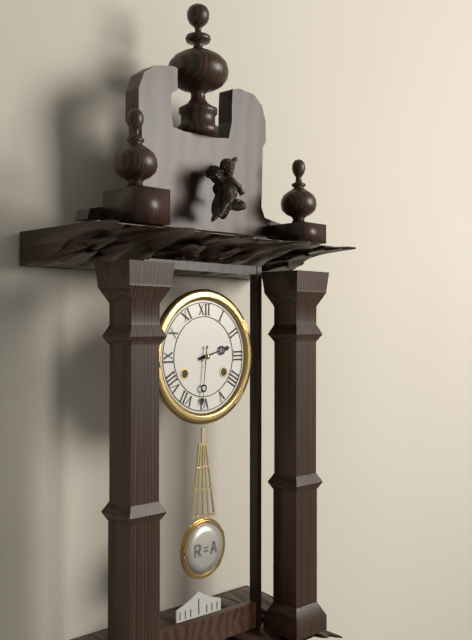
2:31
